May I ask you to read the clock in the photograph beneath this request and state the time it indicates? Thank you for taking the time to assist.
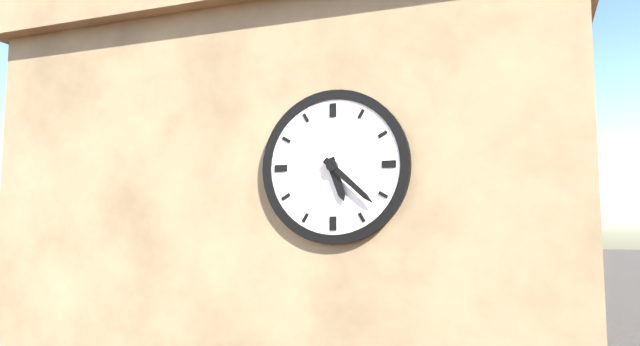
5:22
